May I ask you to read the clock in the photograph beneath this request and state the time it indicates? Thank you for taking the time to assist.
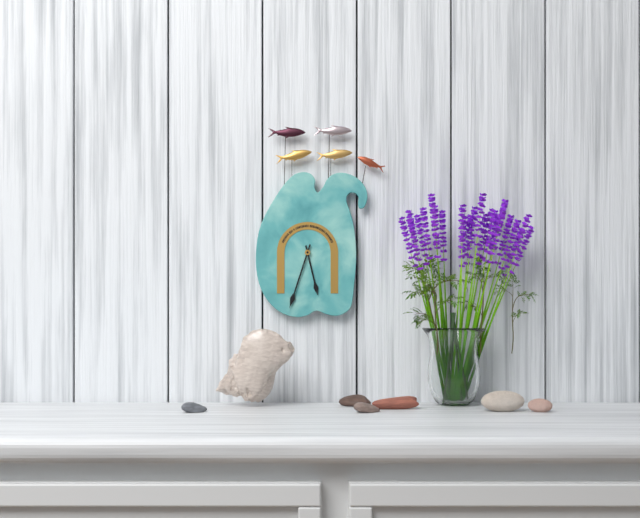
5:33
